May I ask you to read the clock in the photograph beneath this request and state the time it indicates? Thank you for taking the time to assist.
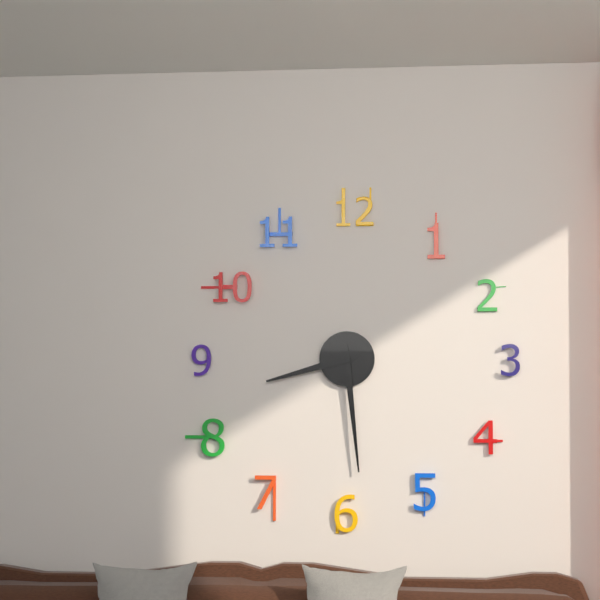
8:29
